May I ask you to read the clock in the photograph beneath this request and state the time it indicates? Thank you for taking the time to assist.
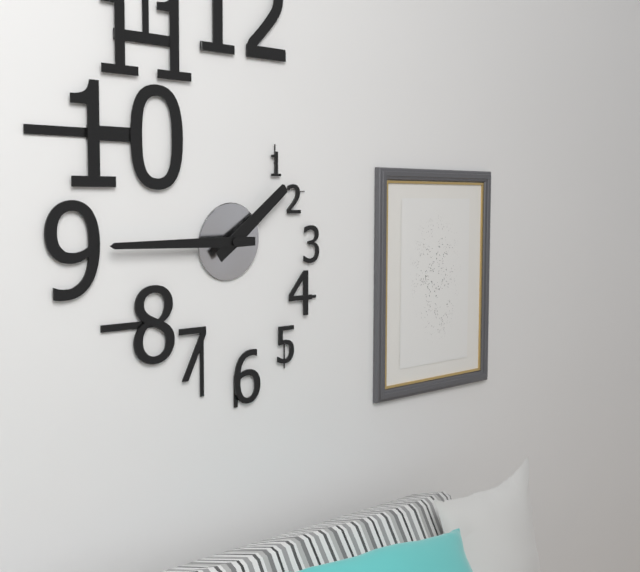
1:45
